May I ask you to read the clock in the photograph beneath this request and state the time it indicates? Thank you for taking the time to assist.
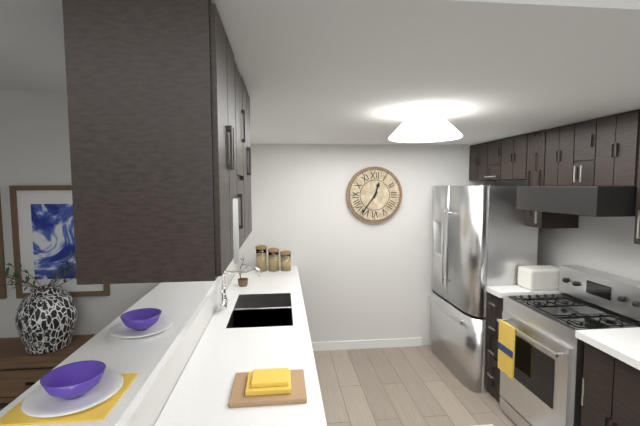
12:36
